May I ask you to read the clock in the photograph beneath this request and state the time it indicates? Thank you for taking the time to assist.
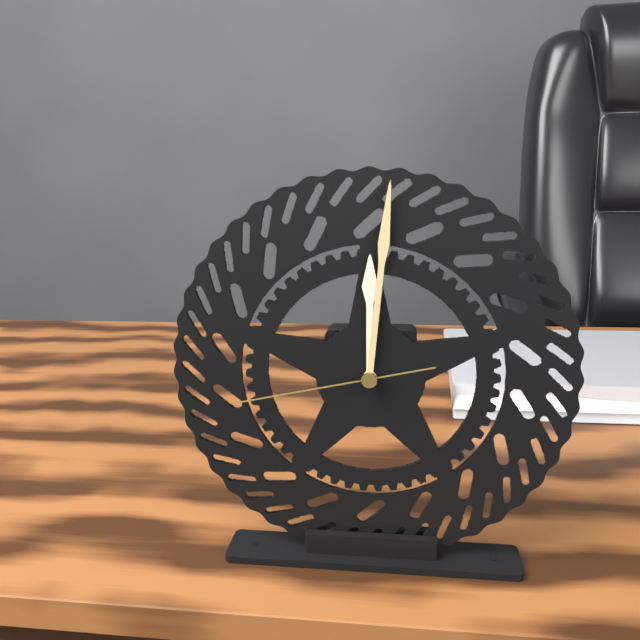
12:01:43
